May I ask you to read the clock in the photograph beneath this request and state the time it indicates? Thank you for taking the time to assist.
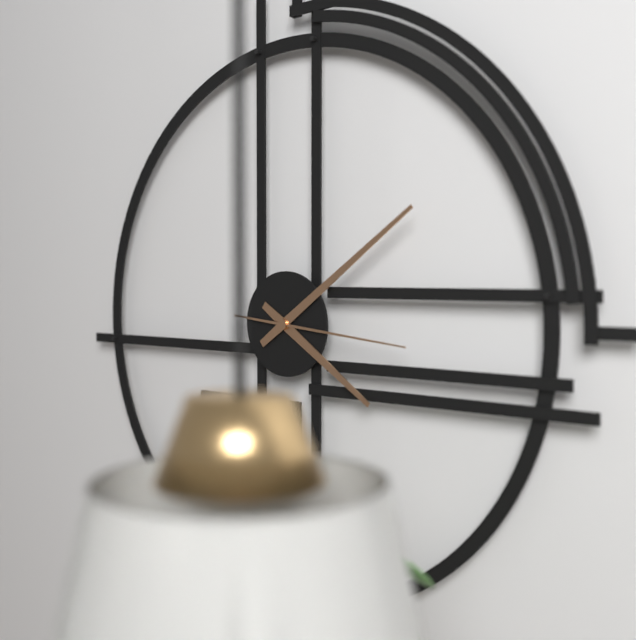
4:09:16
